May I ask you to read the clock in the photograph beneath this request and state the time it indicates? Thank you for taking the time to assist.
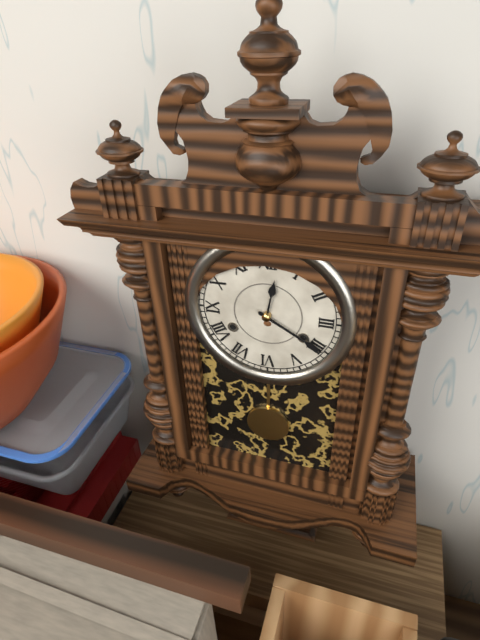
12:20
